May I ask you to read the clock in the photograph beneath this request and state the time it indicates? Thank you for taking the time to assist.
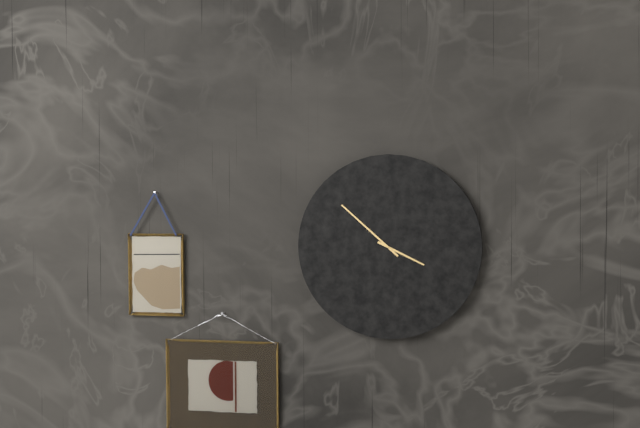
3:52
